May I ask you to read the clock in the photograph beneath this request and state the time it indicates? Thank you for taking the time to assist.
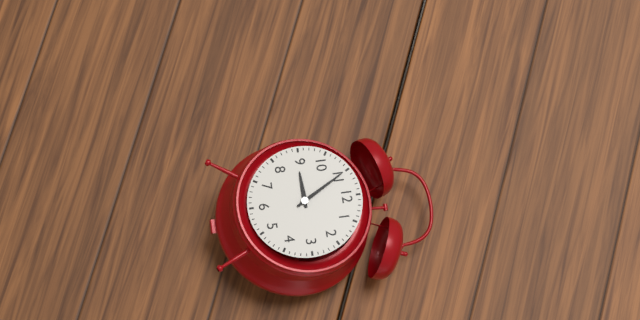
8:55
